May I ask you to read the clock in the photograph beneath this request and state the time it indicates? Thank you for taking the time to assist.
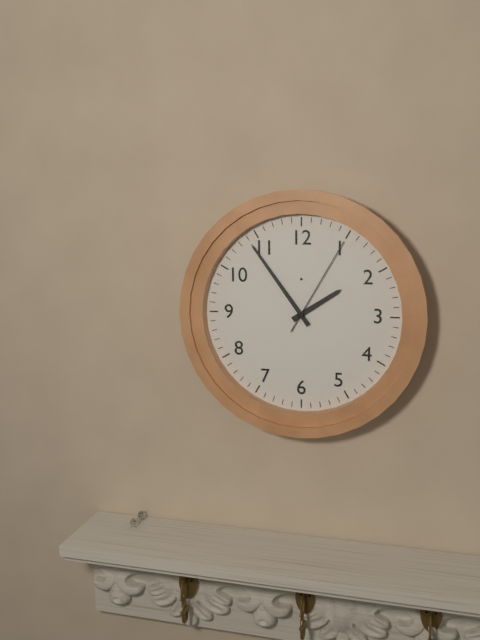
1:54:05
